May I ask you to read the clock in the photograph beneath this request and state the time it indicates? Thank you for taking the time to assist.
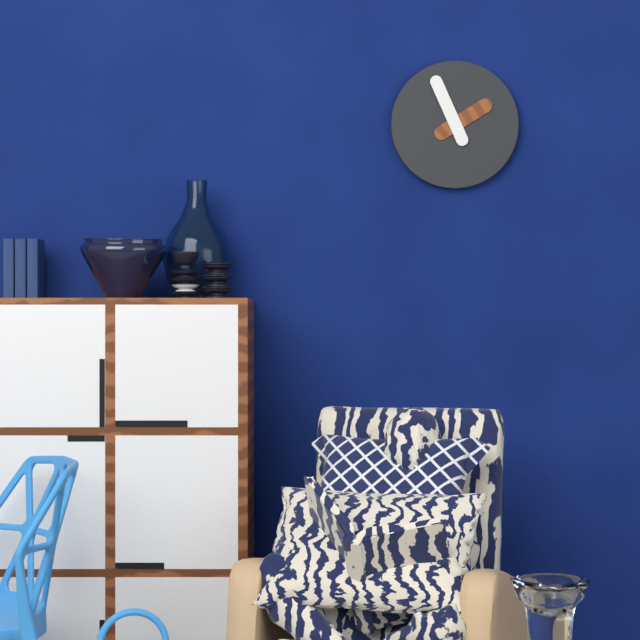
1:56
